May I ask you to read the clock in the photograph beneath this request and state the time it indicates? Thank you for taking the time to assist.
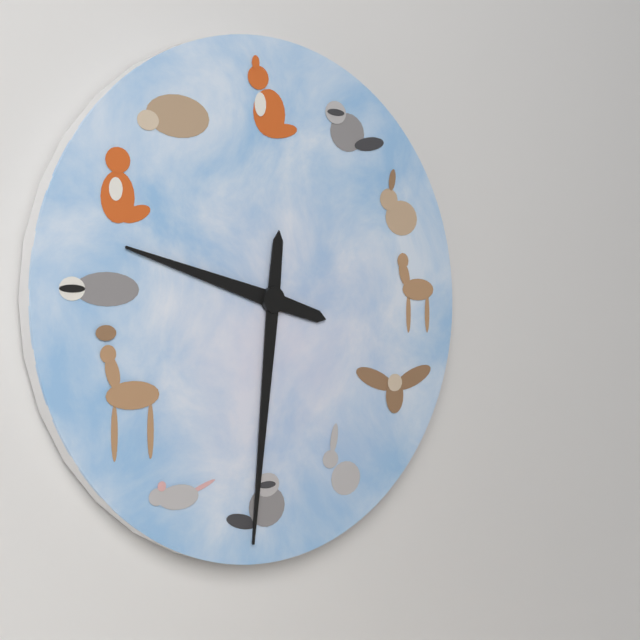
9:31
